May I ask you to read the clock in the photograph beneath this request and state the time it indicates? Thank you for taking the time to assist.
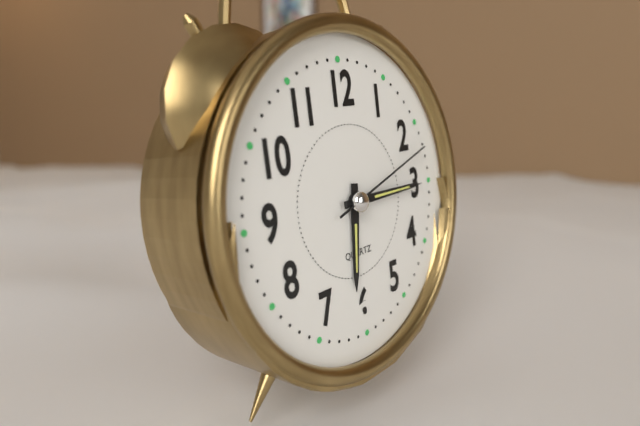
6:15:12
